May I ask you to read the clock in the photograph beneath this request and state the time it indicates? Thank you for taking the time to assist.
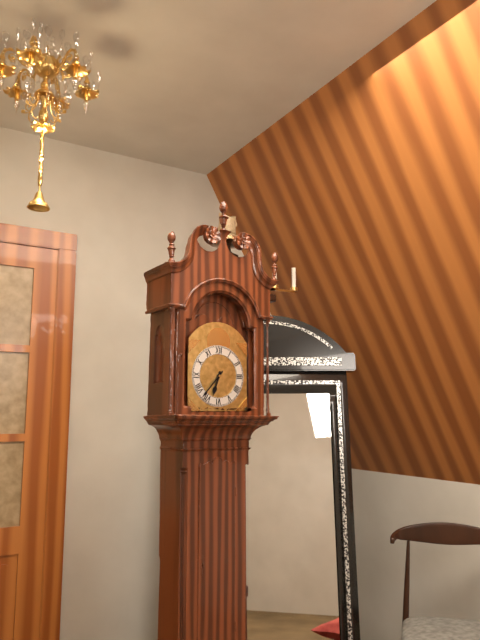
6:37
